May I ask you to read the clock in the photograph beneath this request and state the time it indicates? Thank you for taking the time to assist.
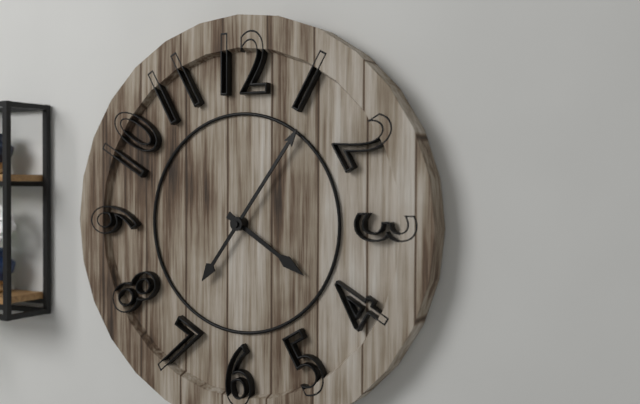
4:06
